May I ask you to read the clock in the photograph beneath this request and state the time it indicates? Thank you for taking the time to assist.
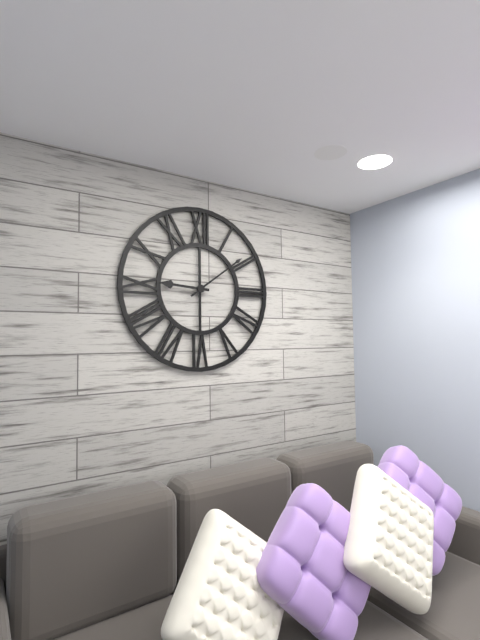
9:09
